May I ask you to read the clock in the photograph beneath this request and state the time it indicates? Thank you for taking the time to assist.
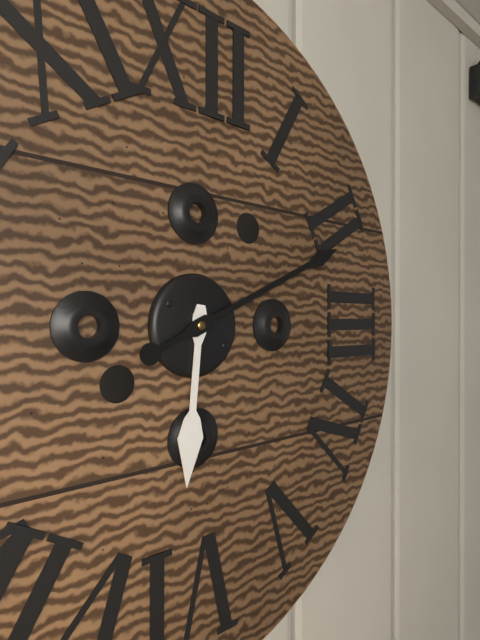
6:11
